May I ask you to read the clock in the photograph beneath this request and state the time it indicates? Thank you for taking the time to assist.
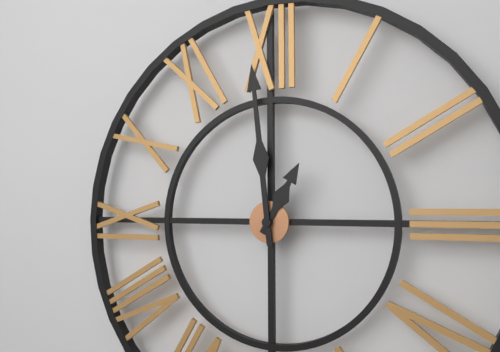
12:59
